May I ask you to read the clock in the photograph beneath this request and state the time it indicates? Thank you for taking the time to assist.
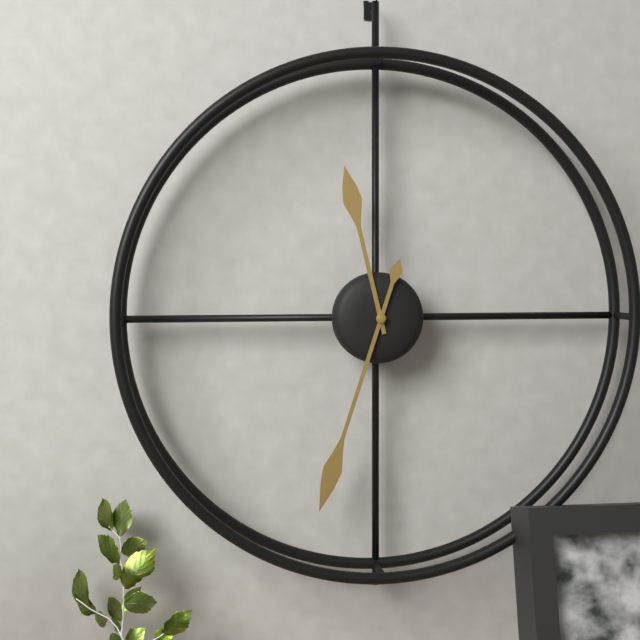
11:33
